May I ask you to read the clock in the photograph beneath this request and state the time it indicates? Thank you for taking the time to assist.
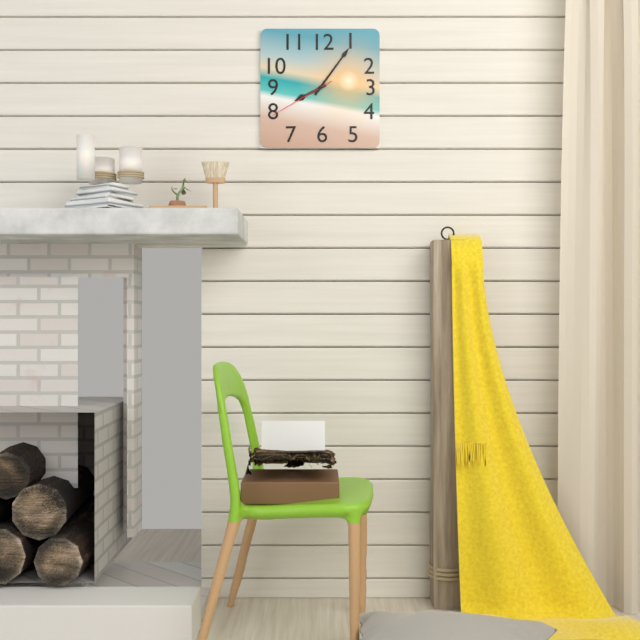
8:06:40
